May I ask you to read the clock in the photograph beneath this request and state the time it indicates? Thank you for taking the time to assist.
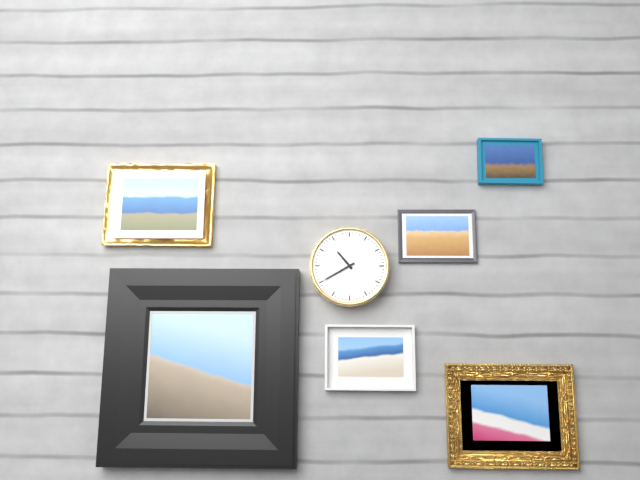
10:40
